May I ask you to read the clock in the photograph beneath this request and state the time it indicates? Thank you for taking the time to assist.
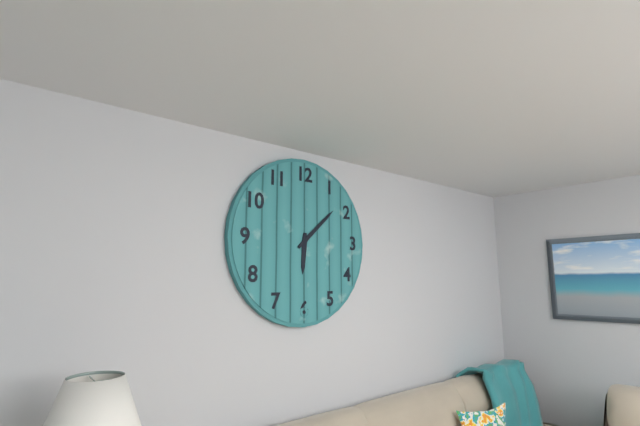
6:08
